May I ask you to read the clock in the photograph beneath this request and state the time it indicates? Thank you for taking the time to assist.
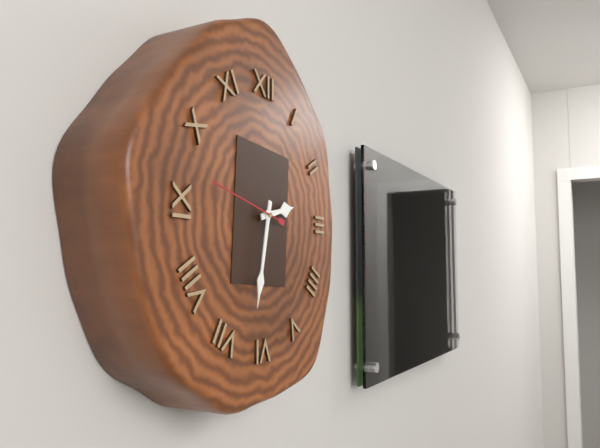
2:32:47
